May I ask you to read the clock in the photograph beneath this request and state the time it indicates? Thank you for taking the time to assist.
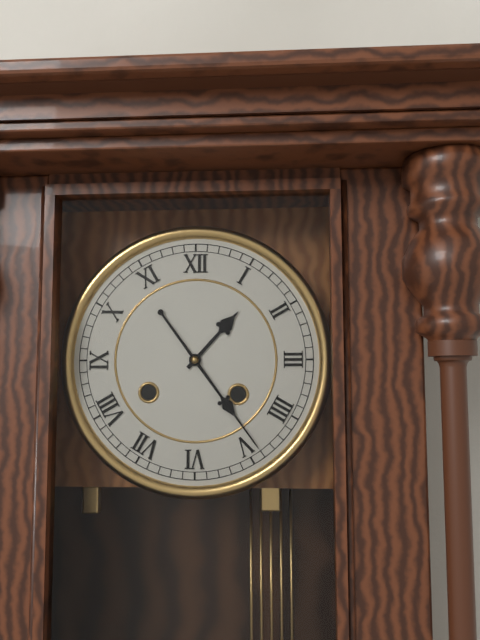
1:24
